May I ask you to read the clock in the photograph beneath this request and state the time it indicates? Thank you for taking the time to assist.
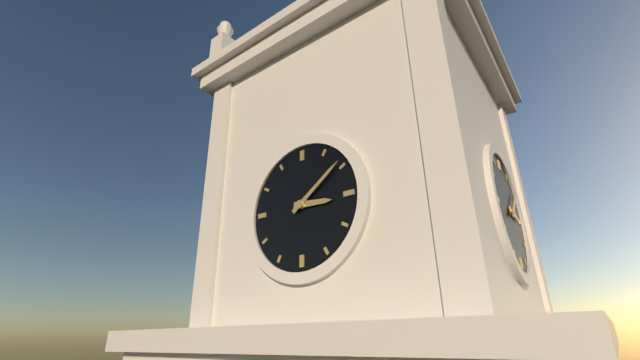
3:09
